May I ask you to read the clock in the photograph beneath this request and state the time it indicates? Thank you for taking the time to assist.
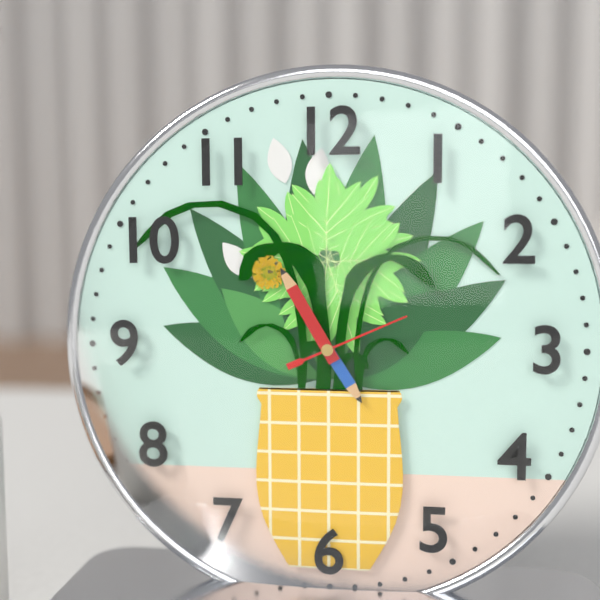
4:55:11
